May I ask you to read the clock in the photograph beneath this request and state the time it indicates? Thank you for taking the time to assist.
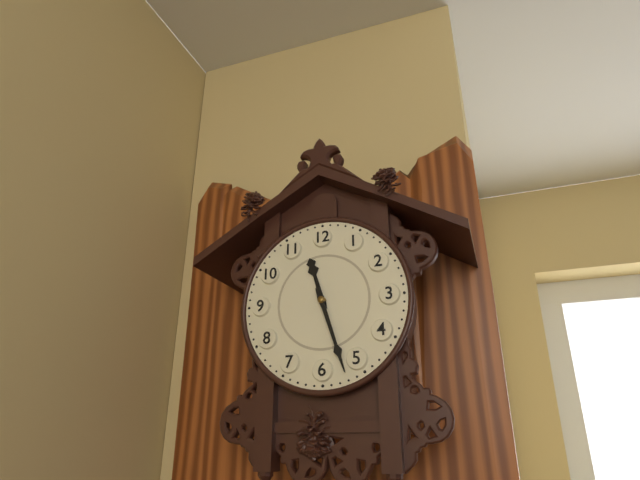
11:27
